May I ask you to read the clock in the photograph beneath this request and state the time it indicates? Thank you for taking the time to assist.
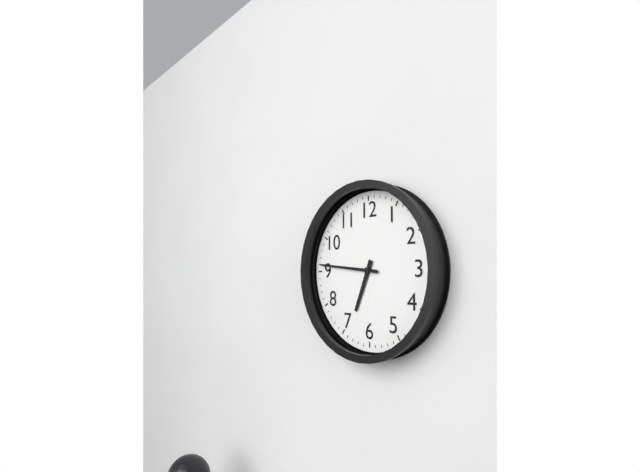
6:46
